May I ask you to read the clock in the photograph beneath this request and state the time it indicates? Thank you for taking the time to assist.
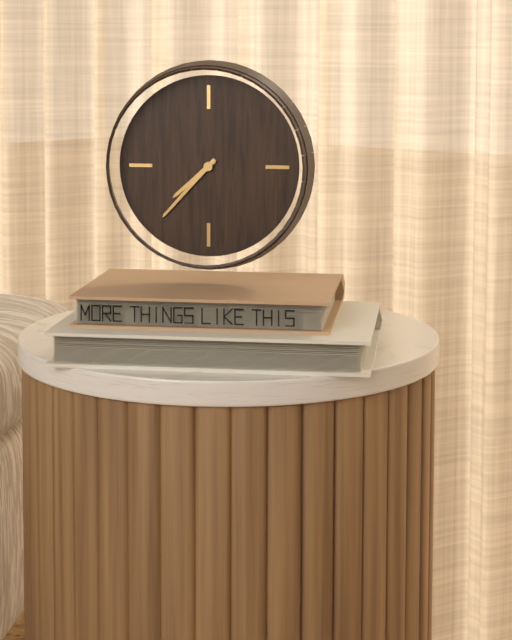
7:37
